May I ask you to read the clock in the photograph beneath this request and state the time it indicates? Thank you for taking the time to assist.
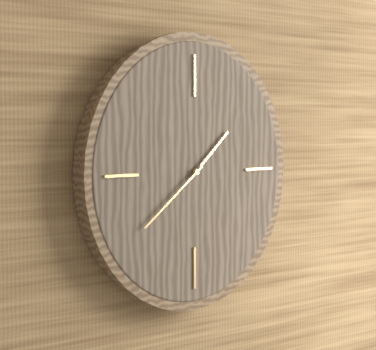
1:39
